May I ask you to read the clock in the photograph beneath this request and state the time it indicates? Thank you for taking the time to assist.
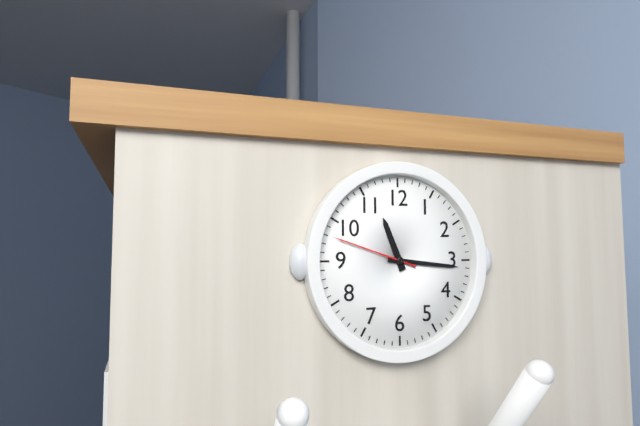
11:16:48
